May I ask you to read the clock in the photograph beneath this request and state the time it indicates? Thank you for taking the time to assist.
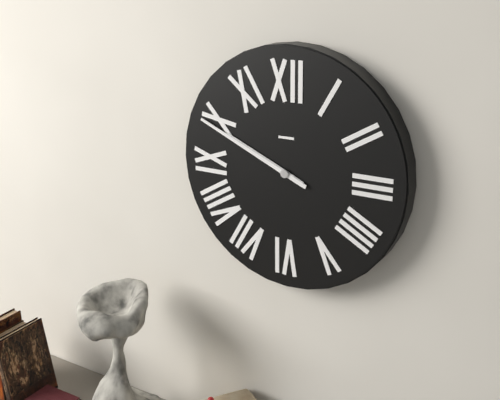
9:49
